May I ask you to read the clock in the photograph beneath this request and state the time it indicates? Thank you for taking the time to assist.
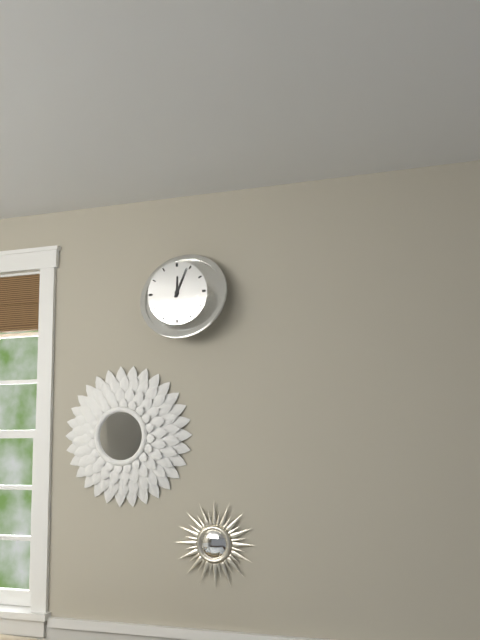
12:04
